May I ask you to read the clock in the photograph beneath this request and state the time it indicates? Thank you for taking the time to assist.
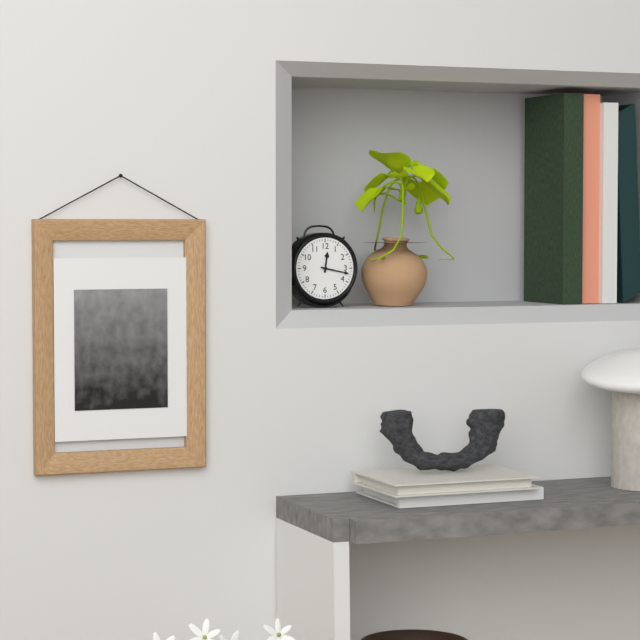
12:17
